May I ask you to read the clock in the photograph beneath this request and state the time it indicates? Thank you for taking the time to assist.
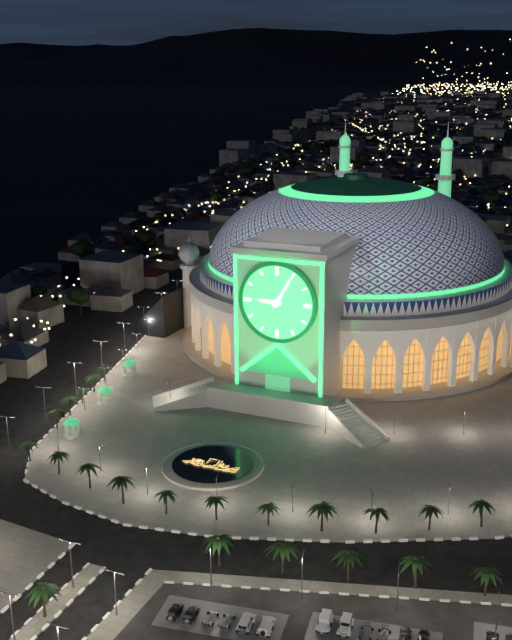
9:05
